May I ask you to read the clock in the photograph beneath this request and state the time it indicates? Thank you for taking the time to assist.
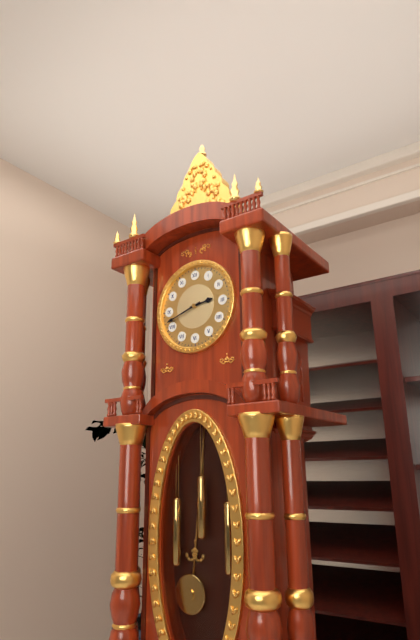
2:42
